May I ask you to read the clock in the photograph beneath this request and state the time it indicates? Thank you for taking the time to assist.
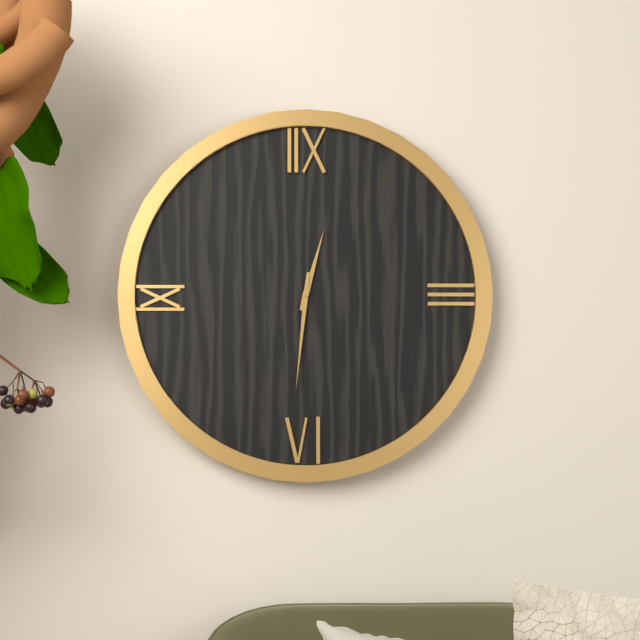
12:31
